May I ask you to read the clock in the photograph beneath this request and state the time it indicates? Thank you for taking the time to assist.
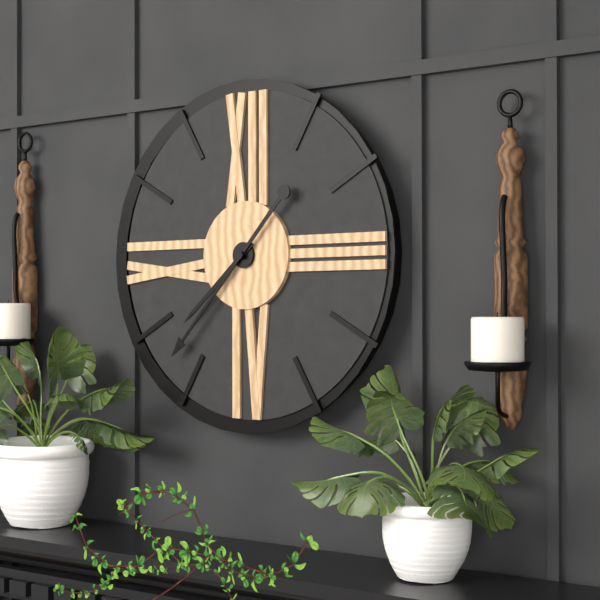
7:37
